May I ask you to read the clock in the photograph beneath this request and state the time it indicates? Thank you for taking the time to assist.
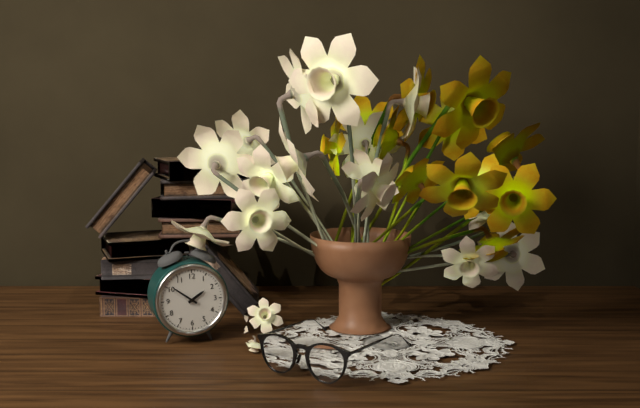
1:51
